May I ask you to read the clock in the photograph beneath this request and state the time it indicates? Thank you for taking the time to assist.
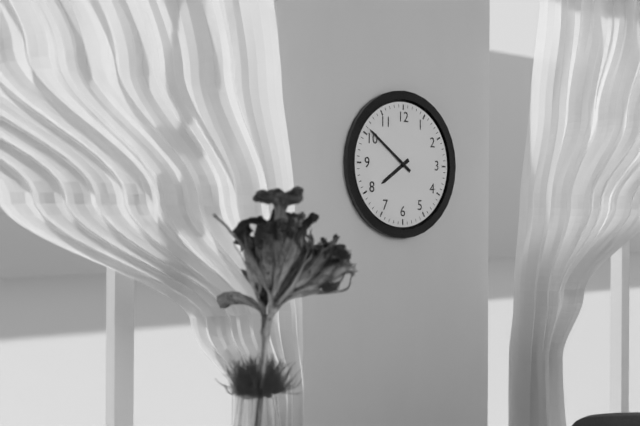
7:51
